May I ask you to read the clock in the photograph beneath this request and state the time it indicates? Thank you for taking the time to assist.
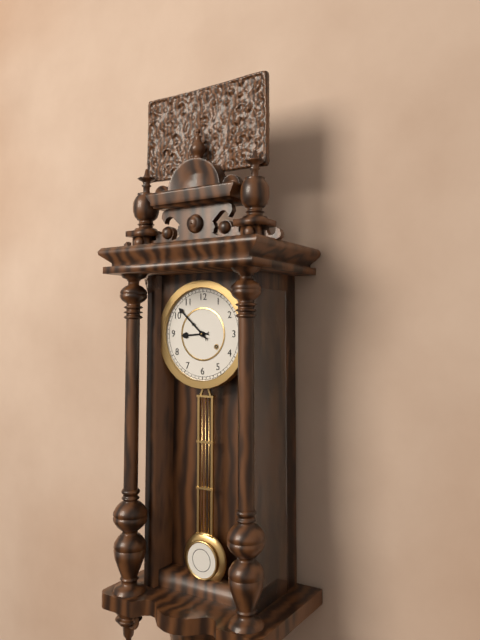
8:52
